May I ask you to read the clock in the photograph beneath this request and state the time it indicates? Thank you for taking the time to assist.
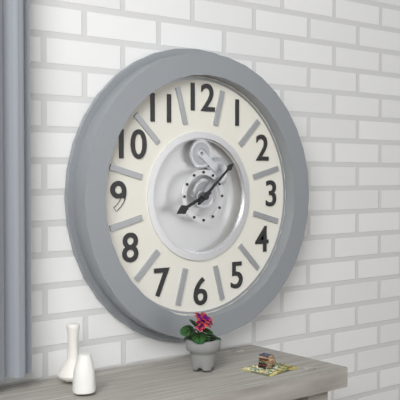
8:08
